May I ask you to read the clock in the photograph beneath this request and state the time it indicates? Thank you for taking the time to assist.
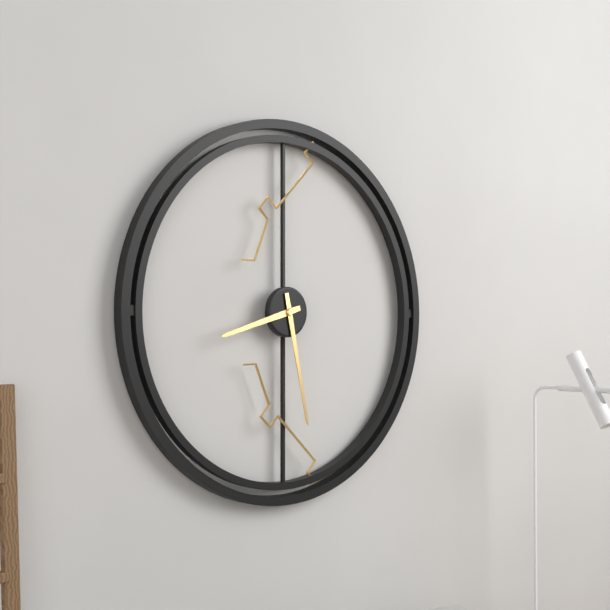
8:28
